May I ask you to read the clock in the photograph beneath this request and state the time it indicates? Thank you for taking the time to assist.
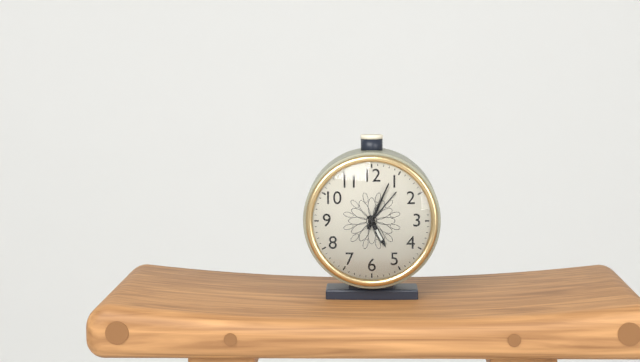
5:04
